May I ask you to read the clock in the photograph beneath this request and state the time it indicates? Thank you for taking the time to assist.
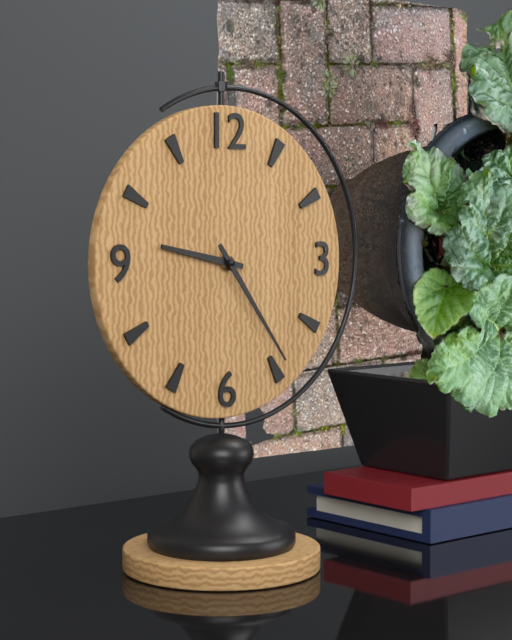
9:24
